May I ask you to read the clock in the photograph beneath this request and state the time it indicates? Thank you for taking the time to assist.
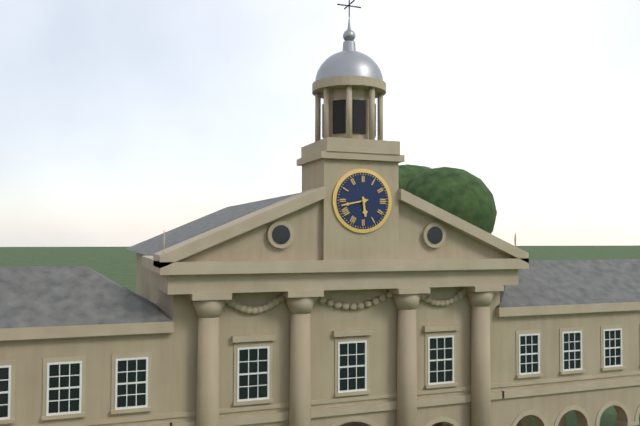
5:43
